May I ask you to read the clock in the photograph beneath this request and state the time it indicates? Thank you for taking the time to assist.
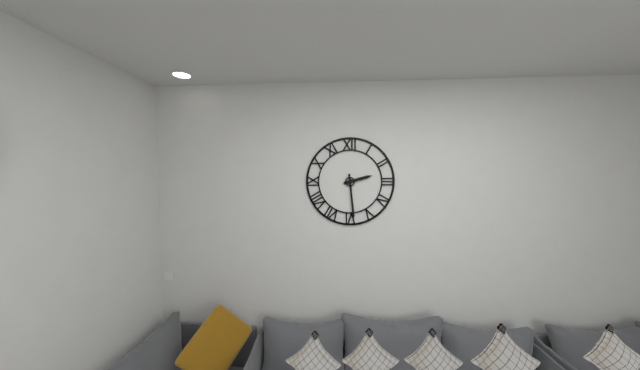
2:29
